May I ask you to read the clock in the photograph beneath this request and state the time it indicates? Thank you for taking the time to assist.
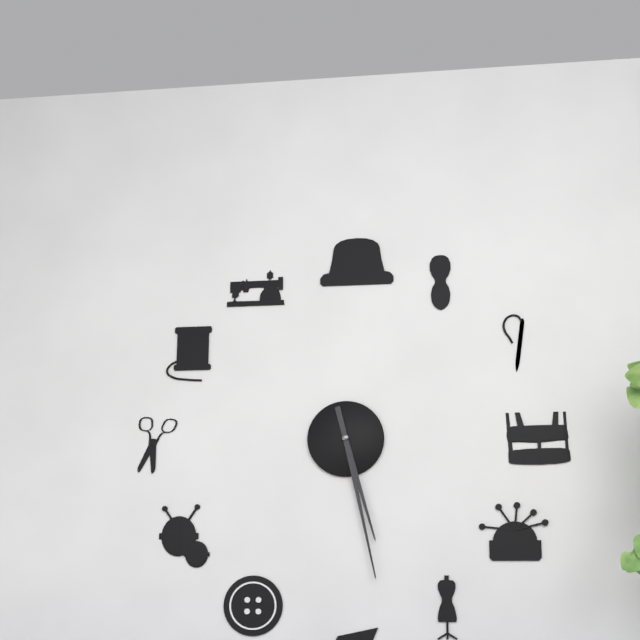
5:28
